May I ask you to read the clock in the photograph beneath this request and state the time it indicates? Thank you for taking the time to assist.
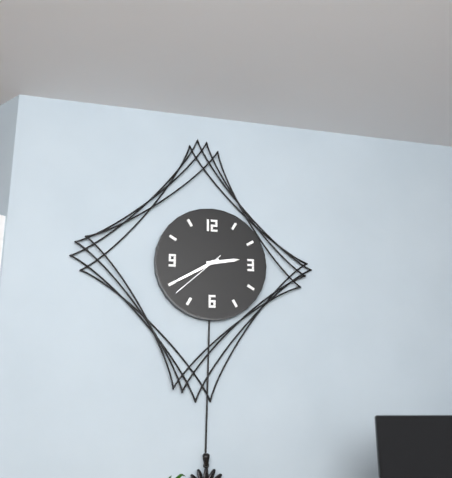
2:40:38
